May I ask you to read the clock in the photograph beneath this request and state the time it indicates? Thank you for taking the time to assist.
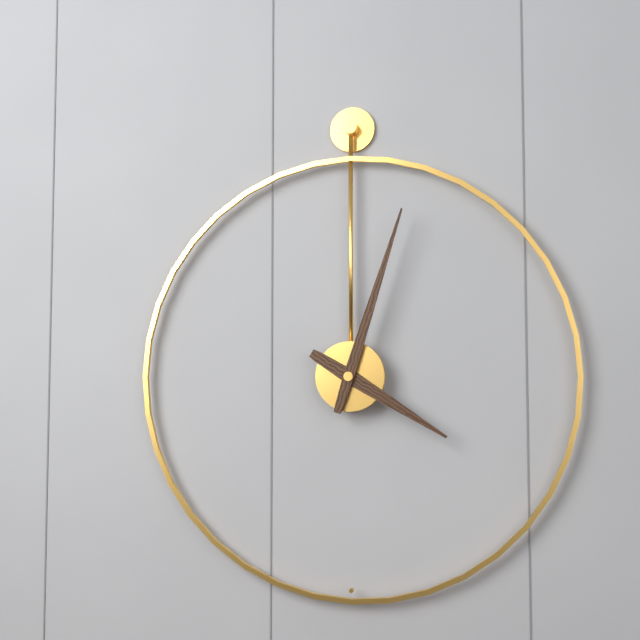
4:03
